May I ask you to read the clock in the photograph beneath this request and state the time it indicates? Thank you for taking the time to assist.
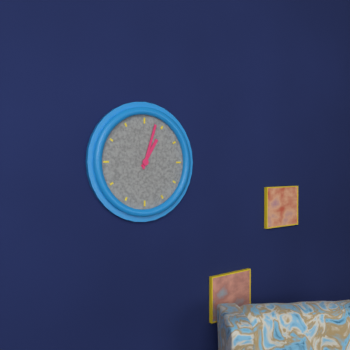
1:03
